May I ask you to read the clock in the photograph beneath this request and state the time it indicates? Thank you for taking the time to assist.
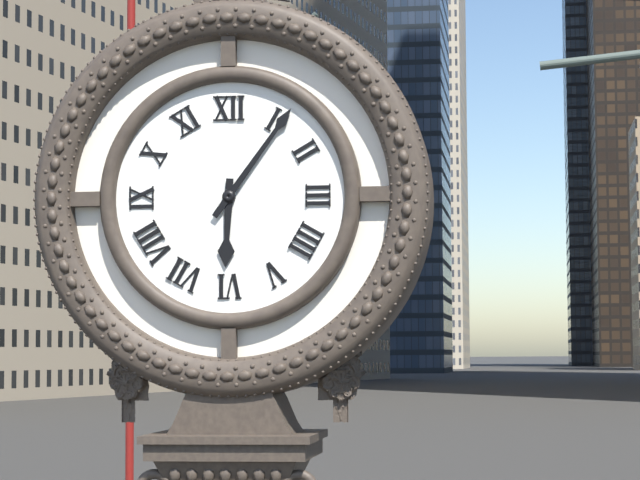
6:06
